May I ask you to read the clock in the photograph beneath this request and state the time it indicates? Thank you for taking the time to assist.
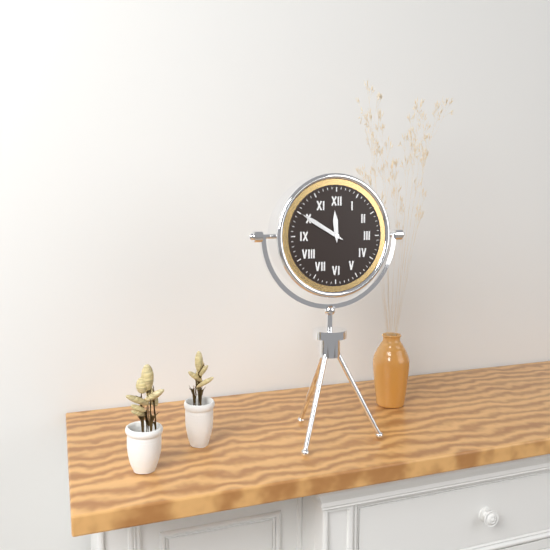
11:50
